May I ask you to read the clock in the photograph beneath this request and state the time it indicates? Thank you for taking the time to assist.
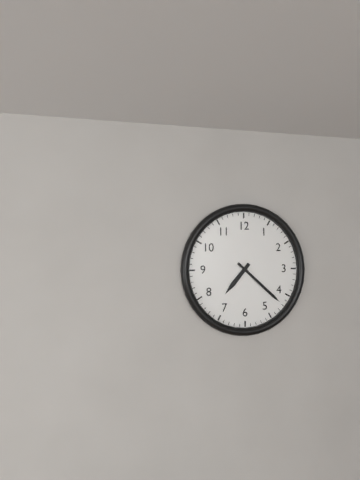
7:22
